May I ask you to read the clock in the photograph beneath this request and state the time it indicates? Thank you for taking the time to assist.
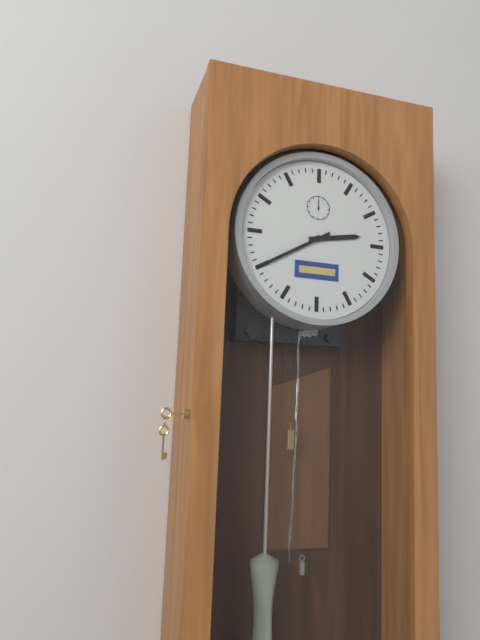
2:40
